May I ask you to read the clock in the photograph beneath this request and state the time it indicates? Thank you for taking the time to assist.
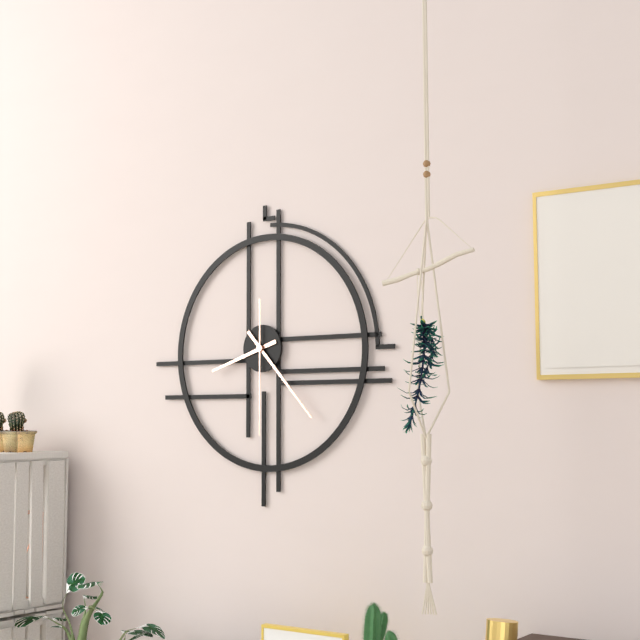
8:23:30
